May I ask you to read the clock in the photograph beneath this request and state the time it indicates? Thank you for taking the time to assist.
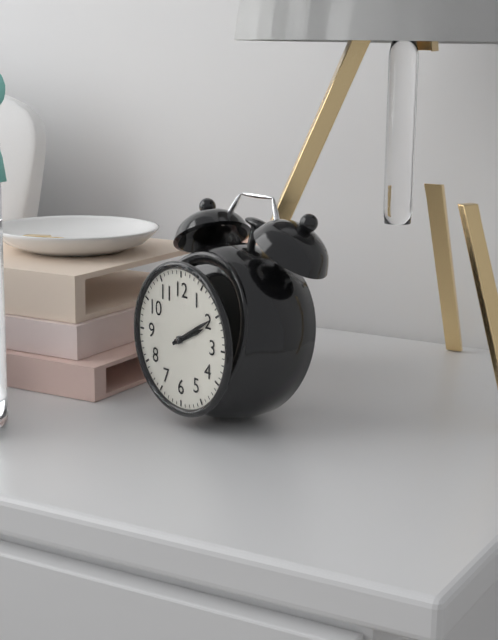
2:10
